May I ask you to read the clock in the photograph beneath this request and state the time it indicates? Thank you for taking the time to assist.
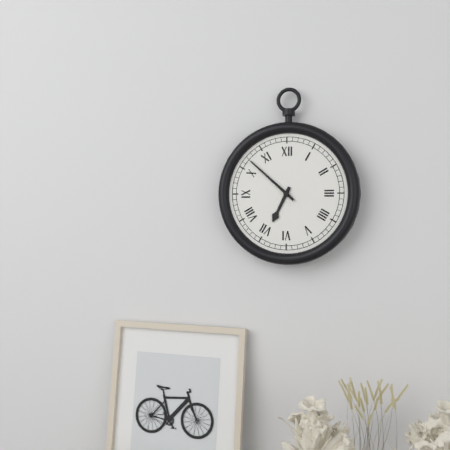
6:52
